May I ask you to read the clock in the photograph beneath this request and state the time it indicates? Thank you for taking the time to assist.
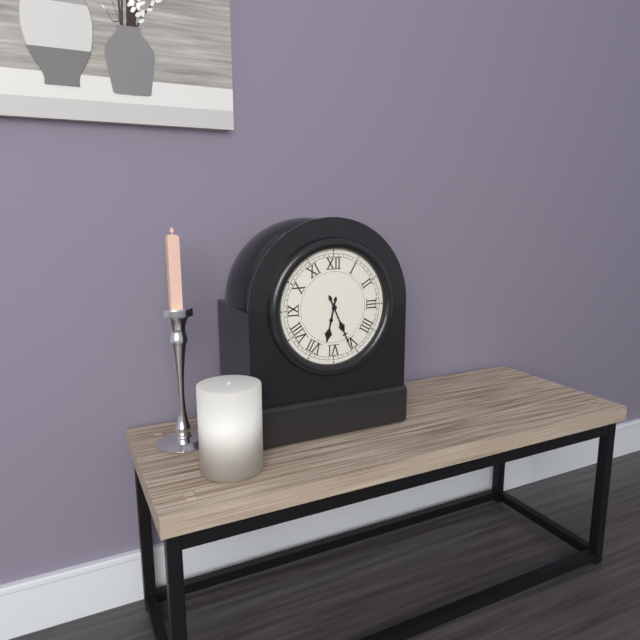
6:26
